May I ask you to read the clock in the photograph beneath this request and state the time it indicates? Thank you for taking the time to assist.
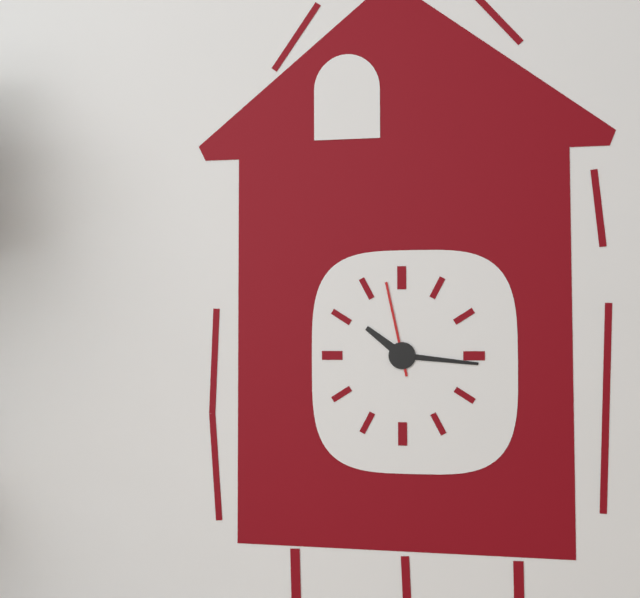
10:16:58
